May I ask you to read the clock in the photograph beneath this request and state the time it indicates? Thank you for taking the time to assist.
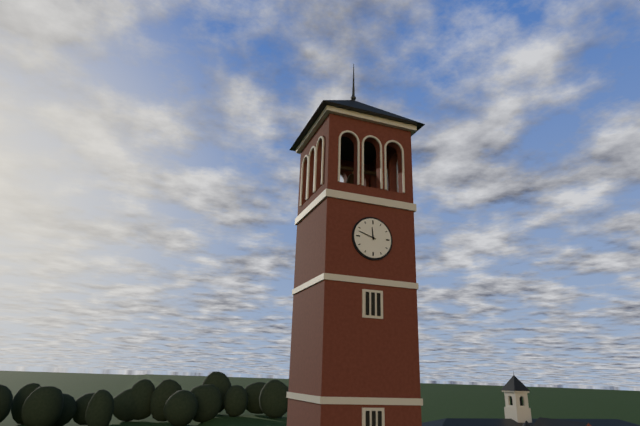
11:48
